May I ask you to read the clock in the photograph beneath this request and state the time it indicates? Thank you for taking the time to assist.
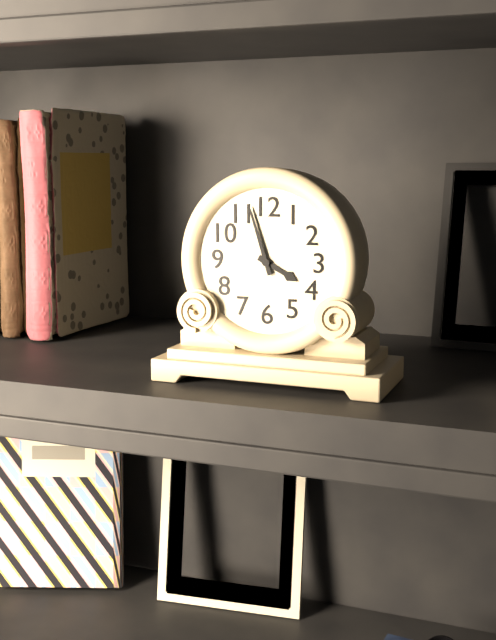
3:57
